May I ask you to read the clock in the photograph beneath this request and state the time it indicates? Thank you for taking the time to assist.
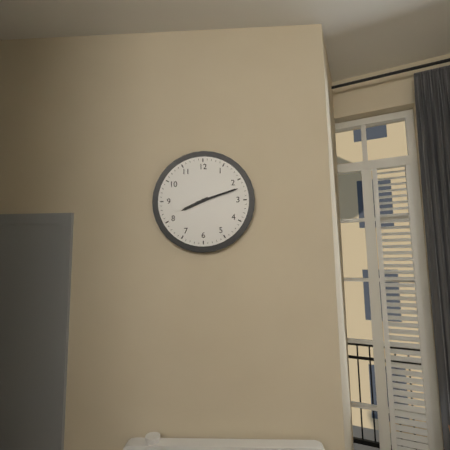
8:12
